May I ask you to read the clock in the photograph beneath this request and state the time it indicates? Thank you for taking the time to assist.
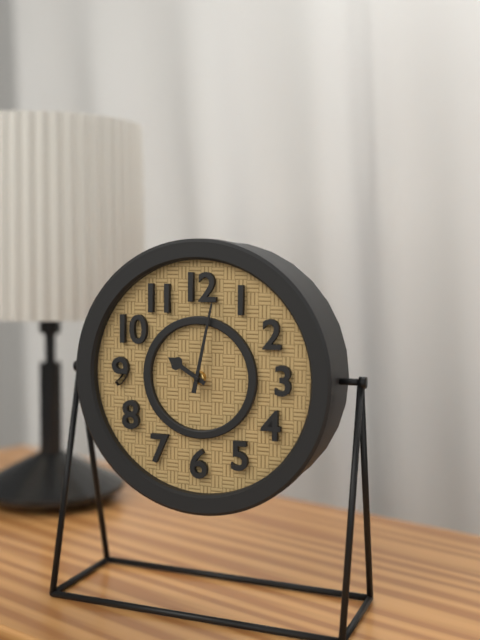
10:02
